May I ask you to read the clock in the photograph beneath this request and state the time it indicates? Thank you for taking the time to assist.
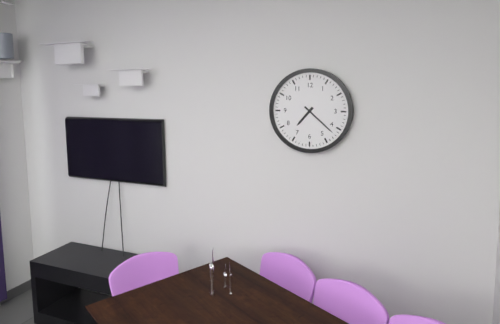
7:22
